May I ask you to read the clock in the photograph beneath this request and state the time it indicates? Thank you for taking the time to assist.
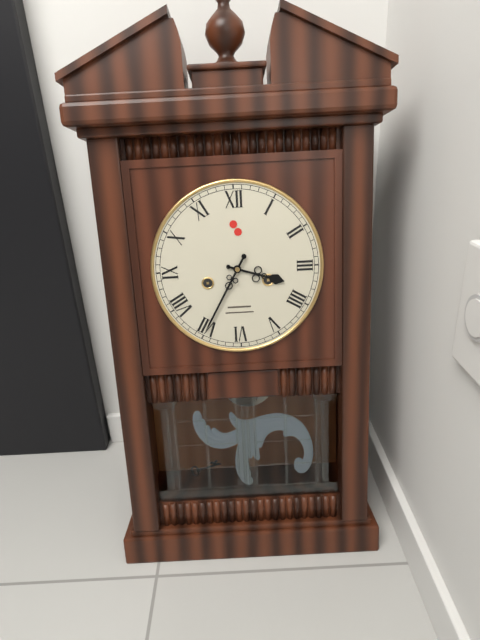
3:35
